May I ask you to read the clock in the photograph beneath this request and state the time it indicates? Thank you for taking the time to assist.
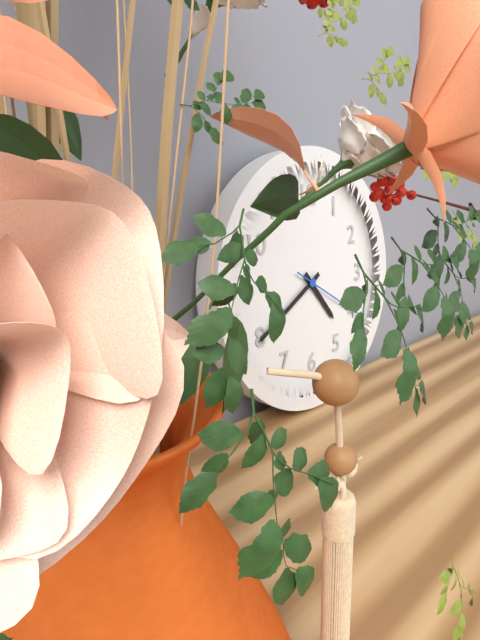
4:40:20
